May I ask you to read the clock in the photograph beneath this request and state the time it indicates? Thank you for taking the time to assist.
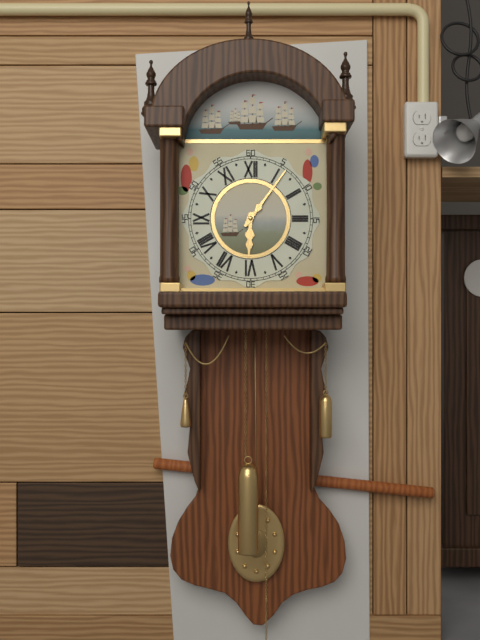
6:06
